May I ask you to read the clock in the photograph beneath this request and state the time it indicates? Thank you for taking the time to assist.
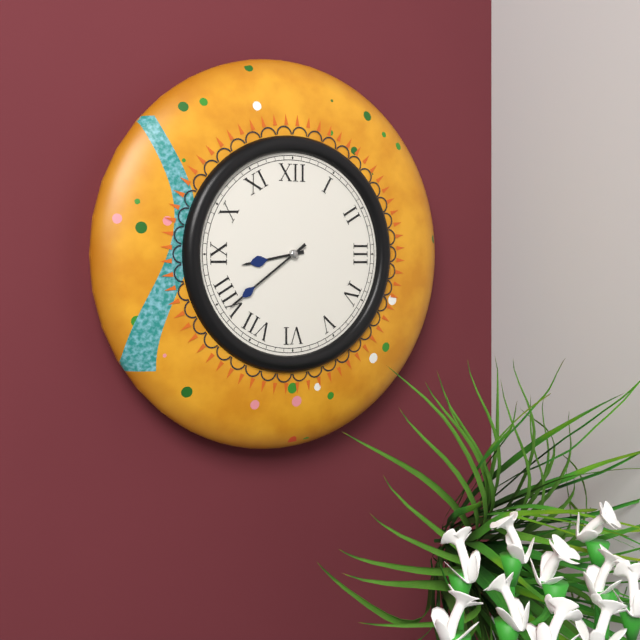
8:39
